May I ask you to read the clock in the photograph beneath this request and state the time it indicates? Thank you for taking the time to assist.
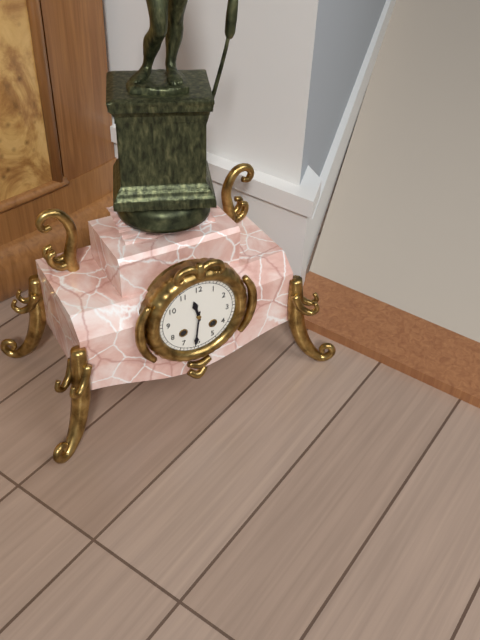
11:31
